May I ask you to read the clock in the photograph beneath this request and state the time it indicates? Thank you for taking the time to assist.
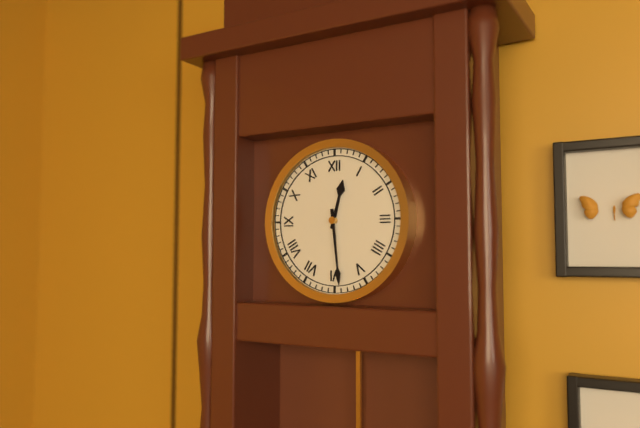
12:29
